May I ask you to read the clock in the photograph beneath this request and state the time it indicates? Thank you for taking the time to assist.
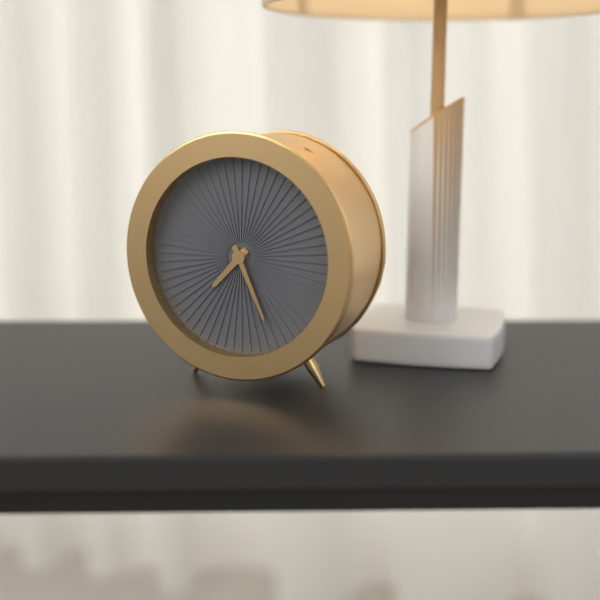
7:26
